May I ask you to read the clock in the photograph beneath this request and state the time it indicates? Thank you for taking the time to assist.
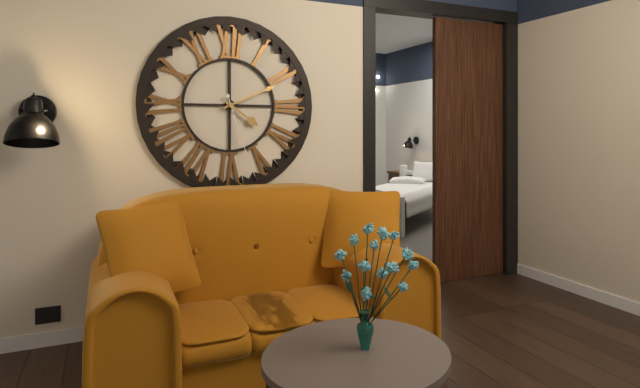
4:11:27
